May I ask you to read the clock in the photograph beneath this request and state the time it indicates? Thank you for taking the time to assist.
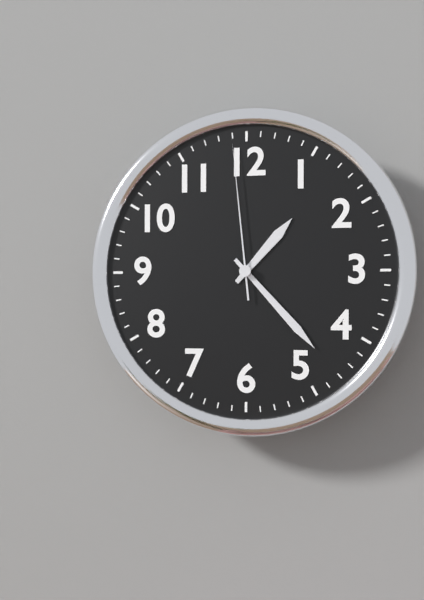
1:23:59
